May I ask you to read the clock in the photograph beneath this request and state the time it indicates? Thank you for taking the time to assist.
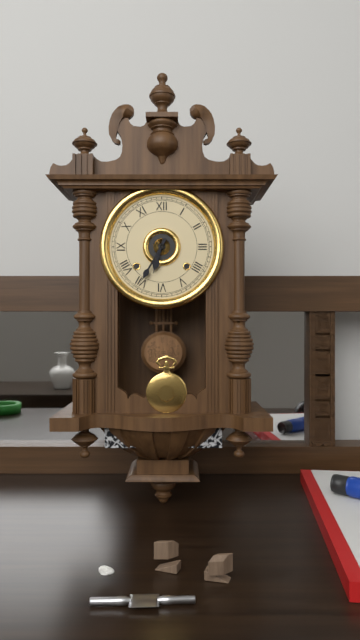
6:35
